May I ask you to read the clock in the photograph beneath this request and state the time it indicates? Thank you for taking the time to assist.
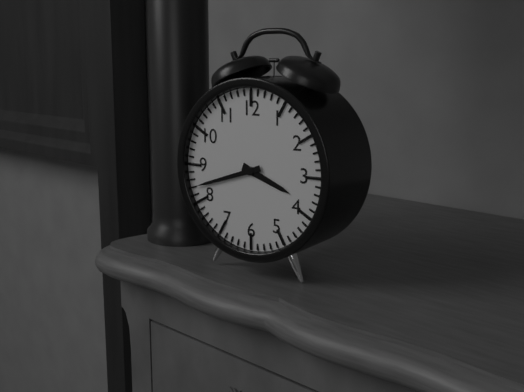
3:42
